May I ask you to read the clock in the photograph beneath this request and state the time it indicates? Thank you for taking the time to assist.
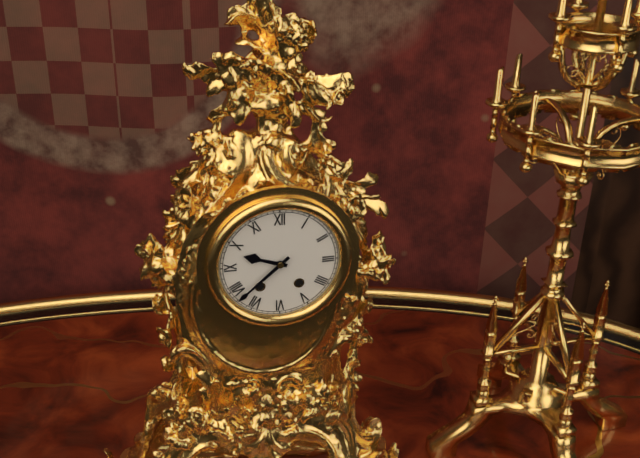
9:38
